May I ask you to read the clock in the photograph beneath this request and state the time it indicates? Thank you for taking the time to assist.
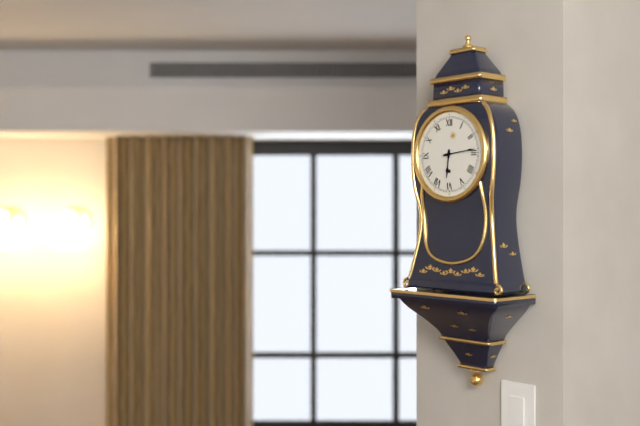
6:14
